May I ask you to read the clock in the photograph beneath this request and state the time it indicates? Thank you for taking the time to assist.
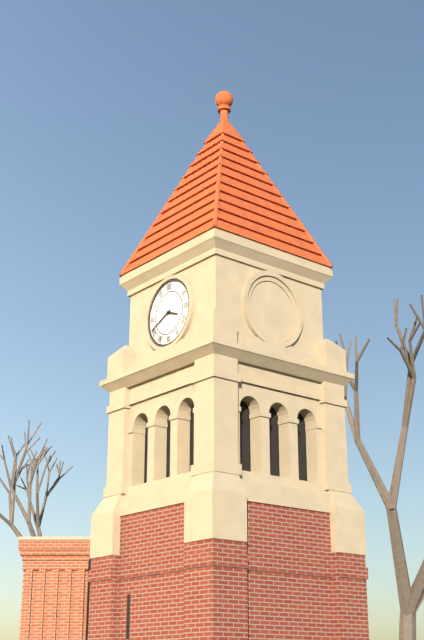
3:41
